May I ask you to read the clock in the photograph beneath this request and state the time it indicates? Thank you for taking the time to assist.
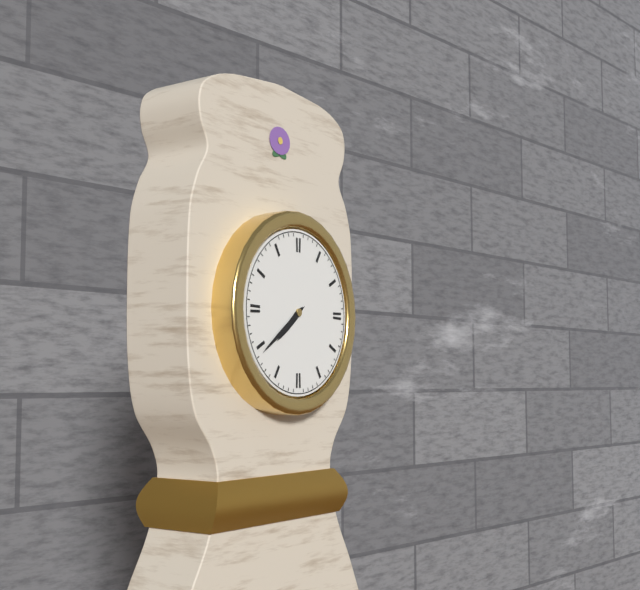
7:39
